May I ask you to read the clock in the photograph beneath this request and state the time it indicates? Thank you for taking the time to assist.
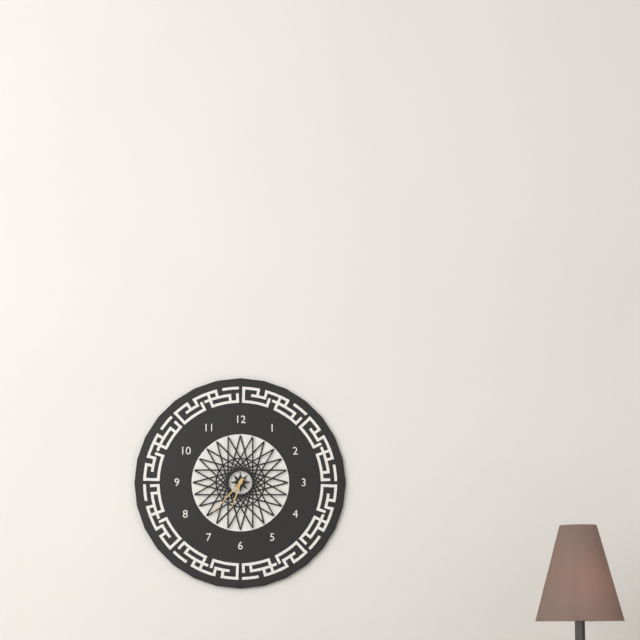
6:37
